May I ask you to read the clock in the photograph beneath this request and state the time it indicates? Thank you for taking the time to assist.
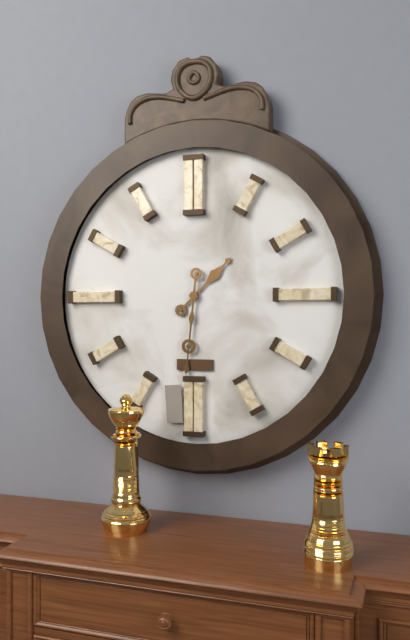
1:31
